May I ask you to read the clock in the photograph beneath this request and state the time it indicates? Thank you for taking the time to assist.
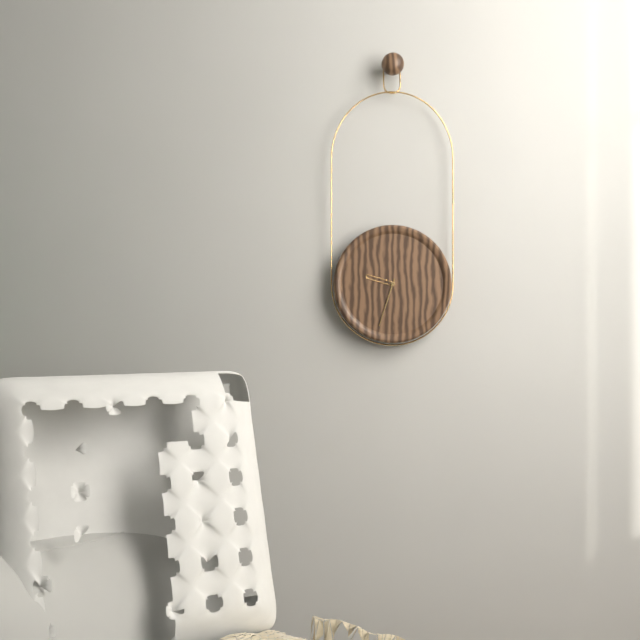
9:33
